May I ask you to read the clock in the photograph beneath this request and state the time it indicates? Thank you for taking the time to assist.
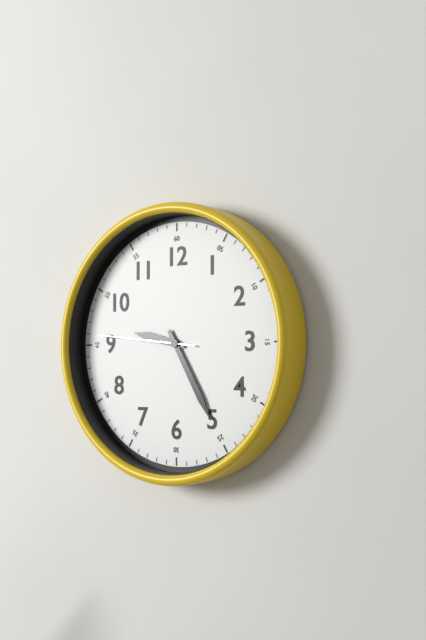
9:25:46
